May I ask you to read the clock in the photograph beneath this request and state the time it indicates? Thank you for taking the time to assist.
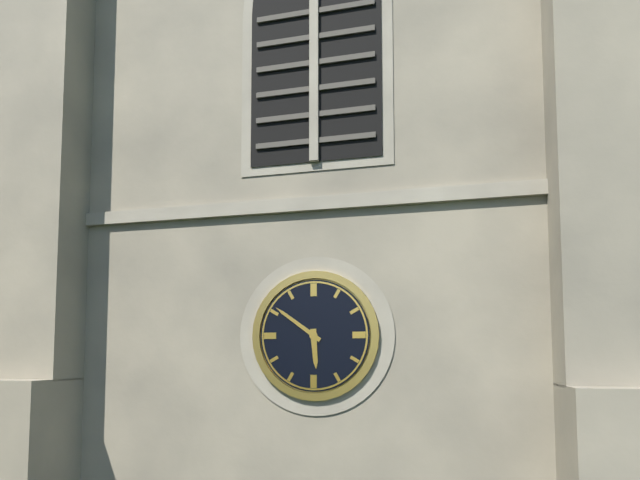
5:51
